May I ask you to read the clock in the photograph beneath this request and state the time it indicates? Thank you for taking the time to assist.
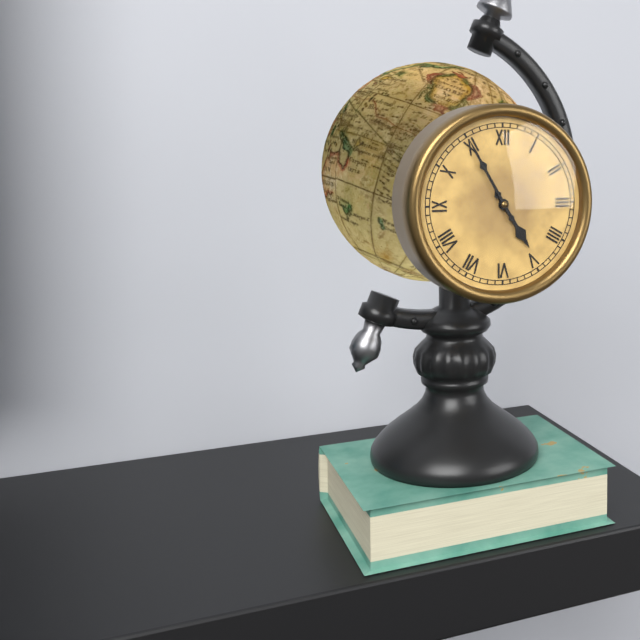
4:55
